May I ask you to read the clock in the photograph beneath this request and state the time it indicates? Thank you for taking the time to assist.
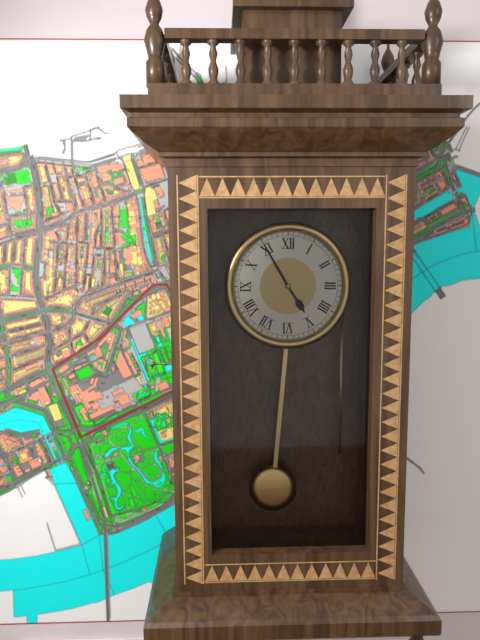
4:55
